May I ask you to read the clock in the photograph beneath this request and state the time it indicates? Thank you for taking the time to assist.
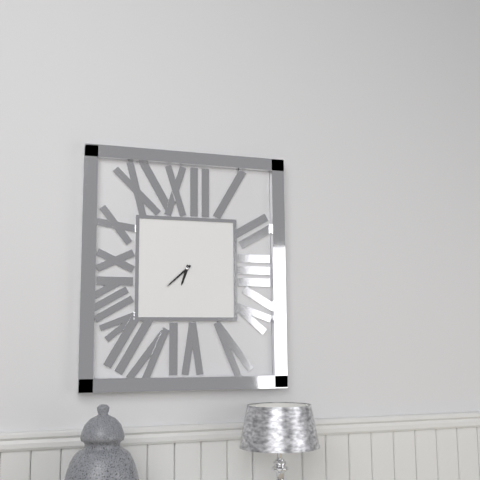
6:38
